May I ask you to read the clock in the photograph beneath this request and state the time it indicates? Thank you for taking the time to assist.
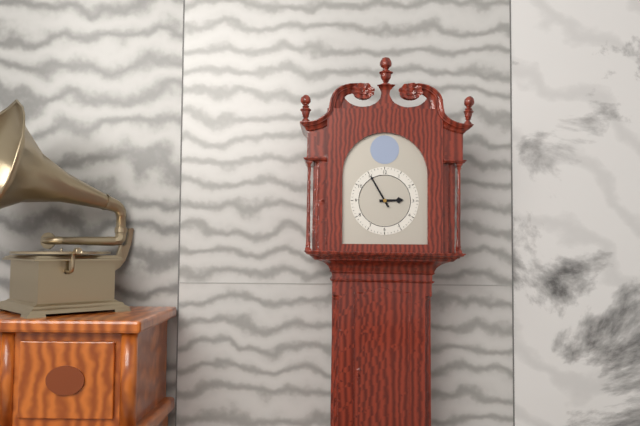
2:55
